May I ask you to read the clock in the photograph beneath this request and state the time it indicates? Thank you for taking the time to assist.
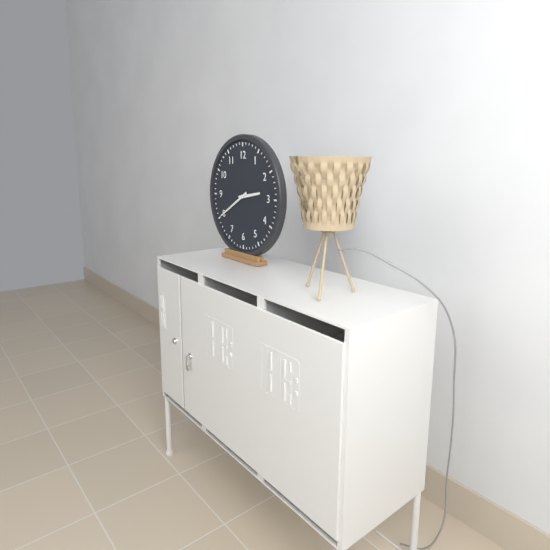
2:40
